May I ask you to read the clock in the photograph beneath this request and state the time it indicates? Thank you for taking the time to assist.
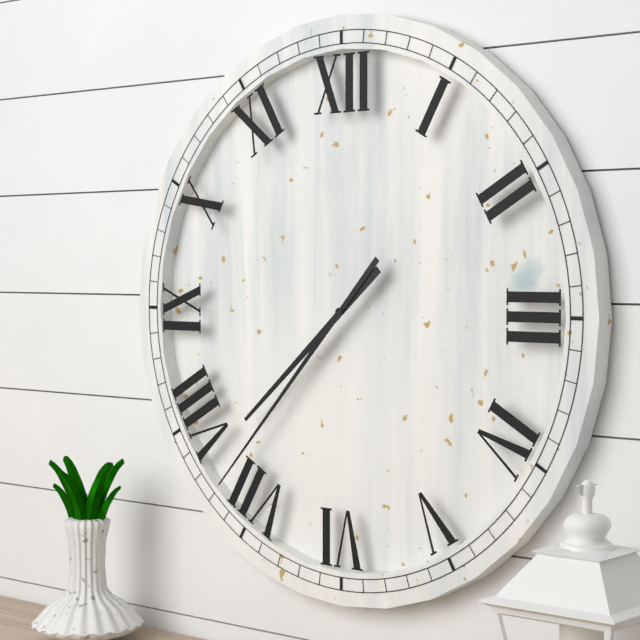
7:37
